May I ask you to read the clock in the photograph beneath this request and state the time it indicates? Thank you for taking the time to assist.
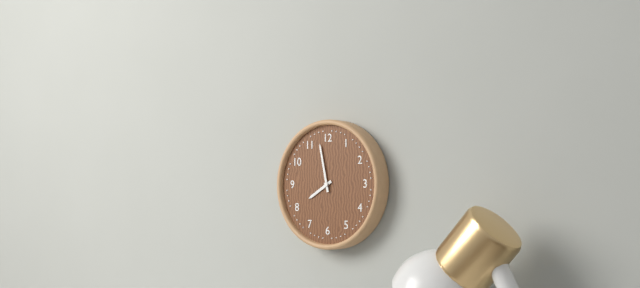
7:58
